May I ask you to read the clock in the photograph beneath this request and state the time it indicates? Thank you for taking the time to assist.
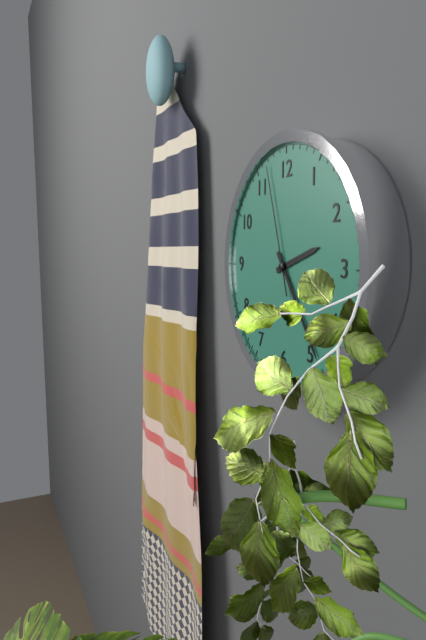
2:24:57
